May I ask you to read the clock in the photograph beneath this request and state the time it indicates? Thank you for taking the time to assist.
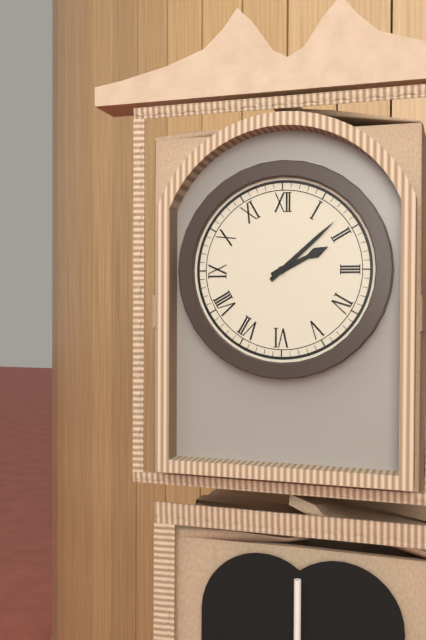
2:08
